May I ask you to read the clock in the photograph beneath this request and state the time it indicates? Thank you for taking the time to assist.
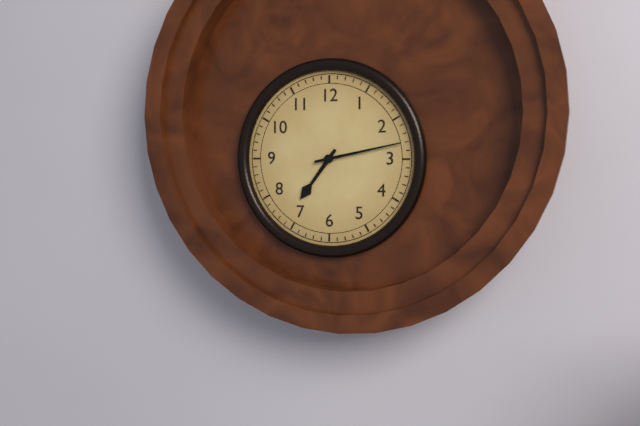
7:13
